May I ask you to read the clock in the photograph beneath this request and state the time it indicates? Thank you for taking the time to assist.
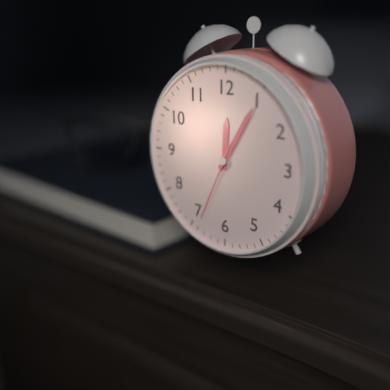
12:05:34
